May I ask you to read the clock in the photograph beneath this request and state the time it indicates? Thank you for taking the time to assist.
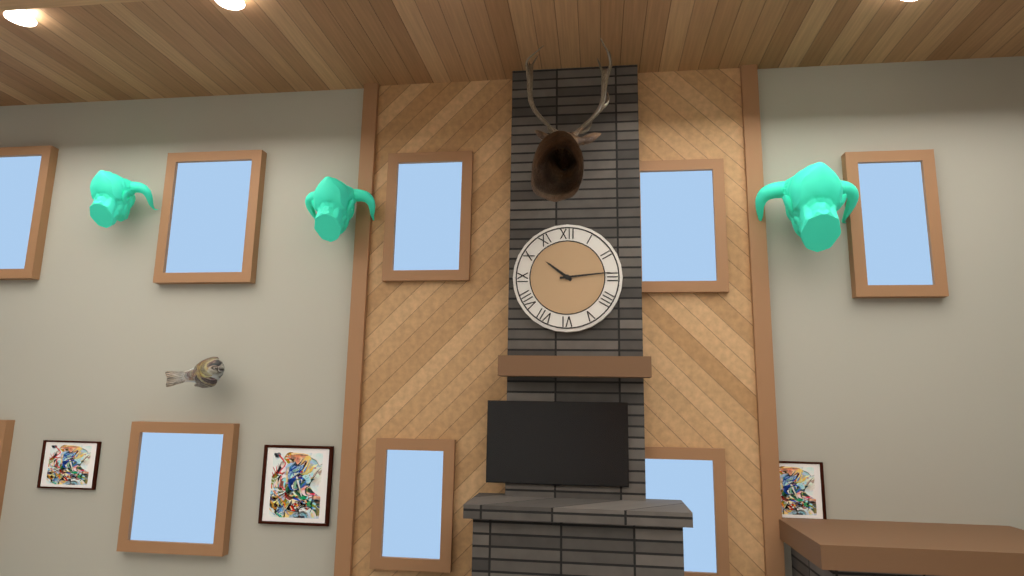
10:14
